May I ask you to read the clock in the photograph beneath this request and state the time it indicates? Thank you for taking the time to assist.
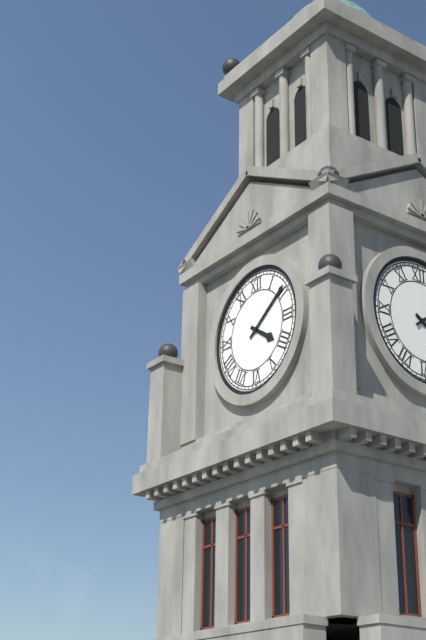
4:09
